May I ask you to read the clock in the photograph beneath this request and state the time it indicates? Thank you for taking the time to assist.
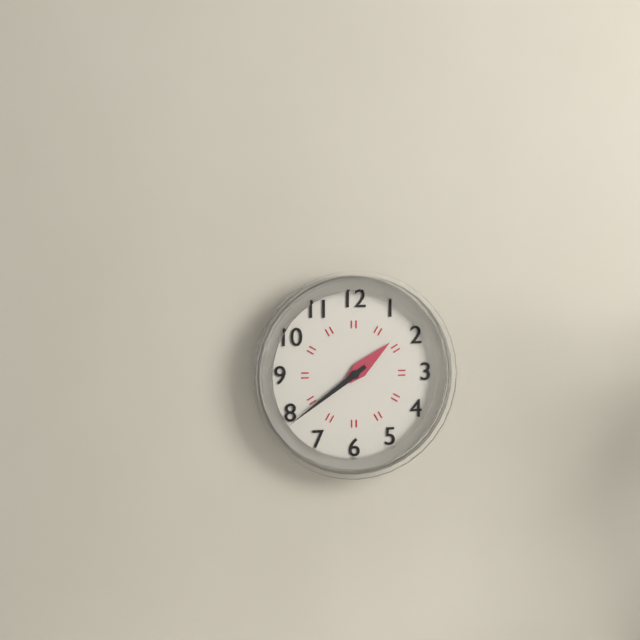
1:39
